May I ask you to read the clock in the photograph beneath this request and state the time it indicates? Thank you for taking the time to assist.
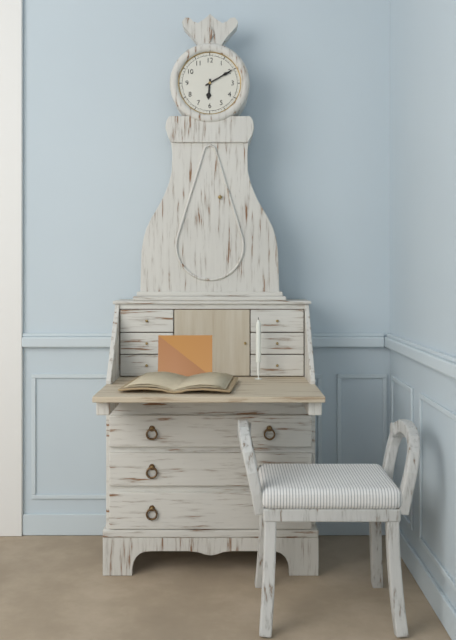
6:10
